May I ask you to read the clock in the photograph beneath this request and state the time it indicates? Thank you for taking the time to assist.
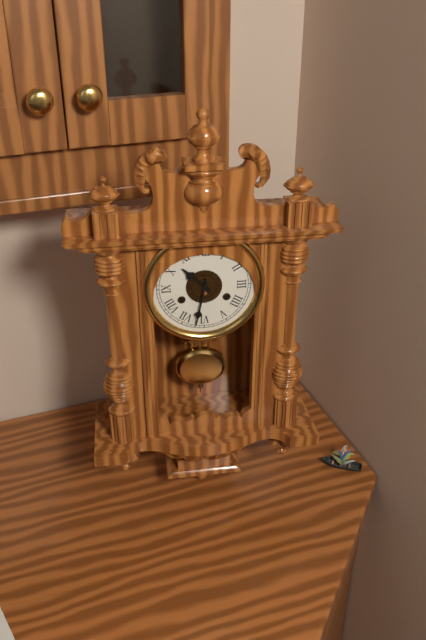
10:32
